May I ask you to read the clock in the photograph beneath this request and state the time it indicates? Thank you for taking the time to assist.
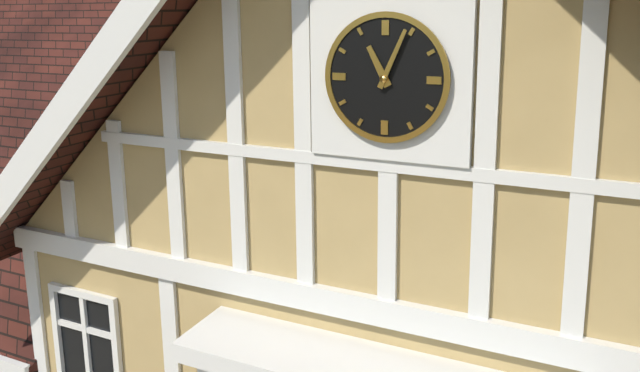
11:04
